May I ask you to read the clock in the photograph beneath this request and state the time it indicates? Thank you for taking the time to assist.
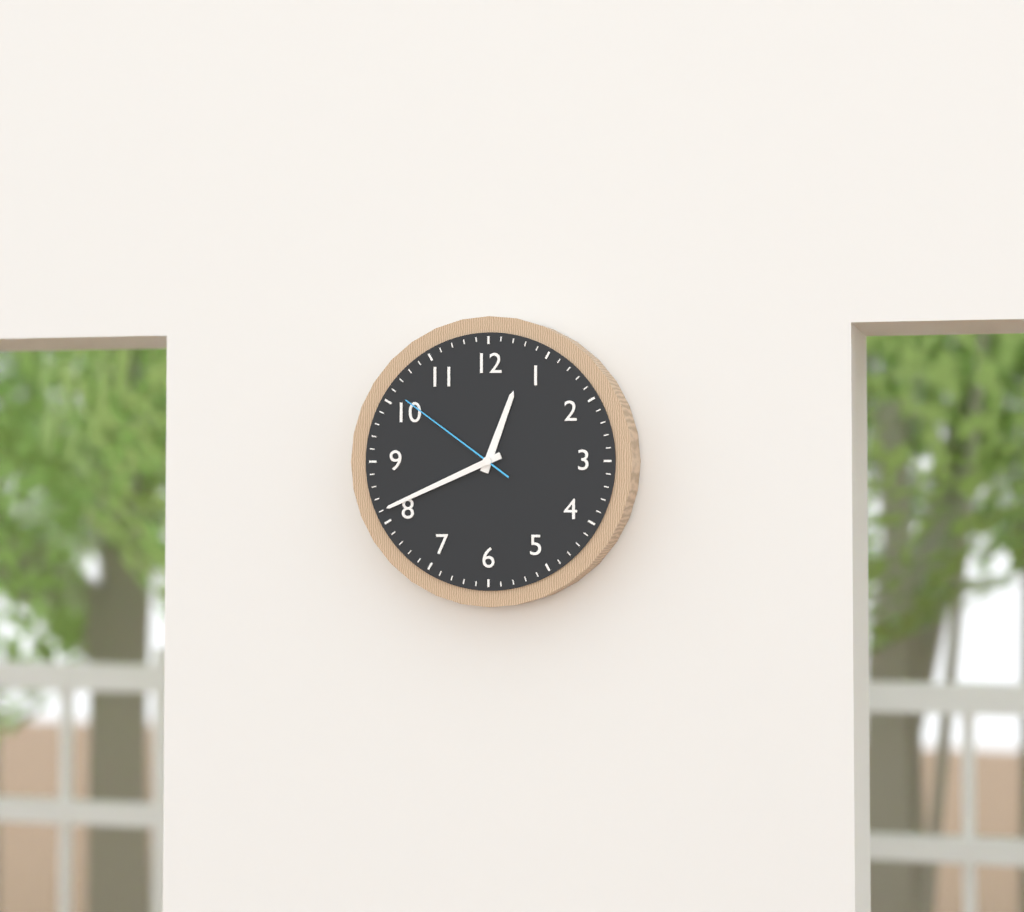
12:41:51
